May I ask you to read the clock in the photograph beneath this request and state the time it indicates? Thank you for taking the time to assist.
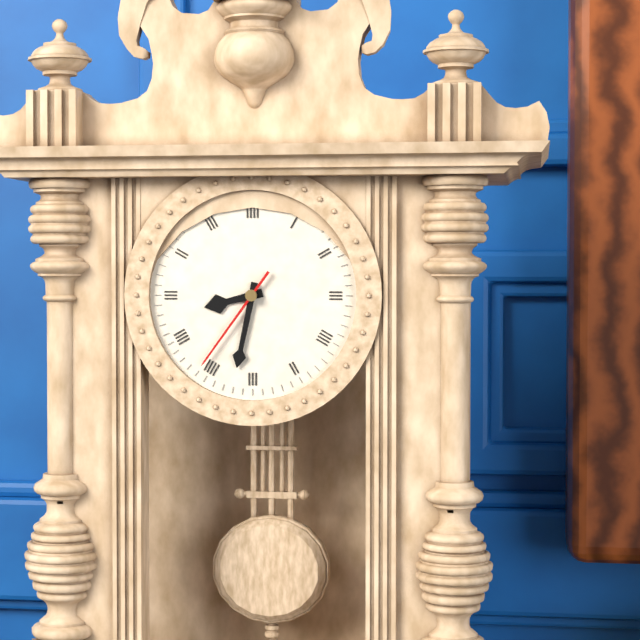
8:32:36
